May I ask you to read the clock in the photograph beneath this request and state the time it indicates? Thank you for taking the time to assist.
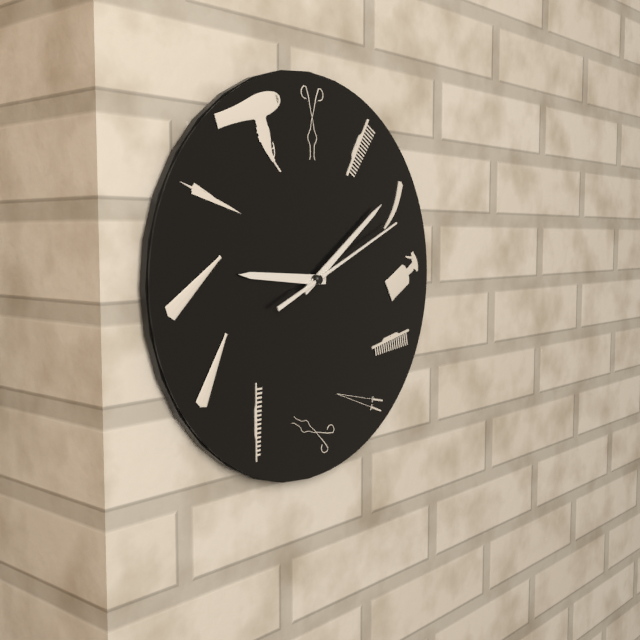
9:09:11
